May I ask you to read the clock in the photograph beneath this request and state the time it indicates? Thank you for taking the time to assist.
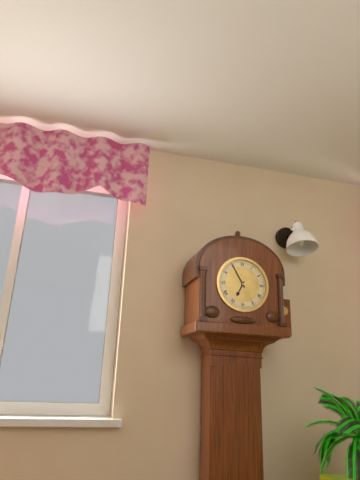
6:55
